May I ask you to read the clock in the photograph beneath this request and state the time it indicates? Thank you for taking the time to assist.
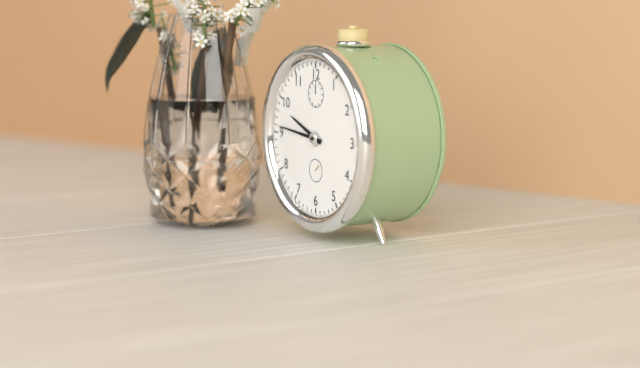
9:46
